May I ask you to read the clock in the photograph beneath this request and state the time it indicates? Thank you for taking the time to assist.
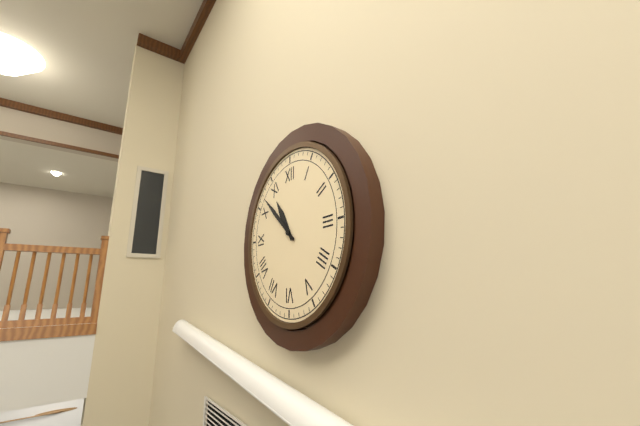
10:52
